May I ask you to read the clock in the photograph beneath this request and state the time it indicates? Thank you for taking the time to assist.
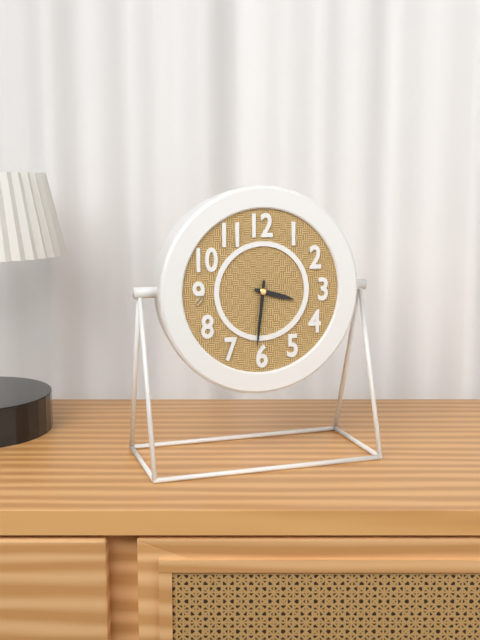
3:31
